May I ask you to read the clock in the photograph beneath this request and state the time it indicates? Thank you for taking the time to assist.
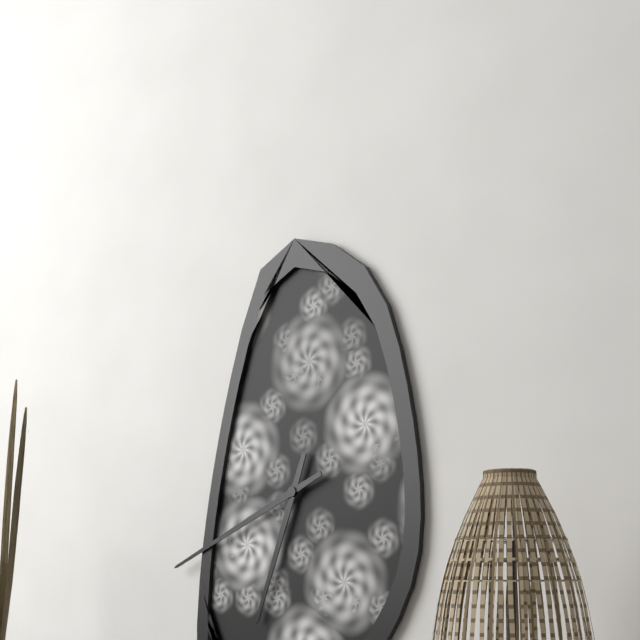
6:41
